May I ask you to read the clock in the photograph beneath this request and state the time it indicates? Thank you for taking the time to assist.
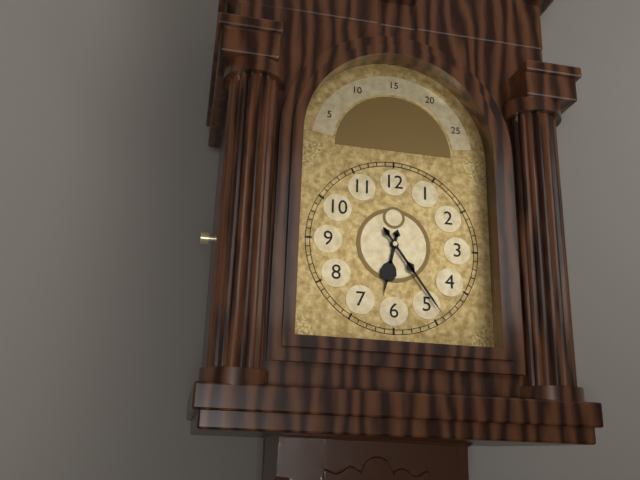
6:24
